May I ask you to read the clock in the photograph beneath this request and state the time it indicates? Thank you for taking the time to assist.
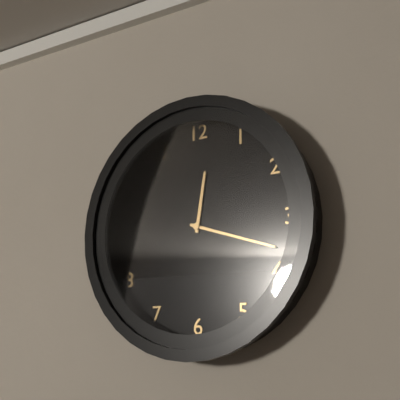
12:18
